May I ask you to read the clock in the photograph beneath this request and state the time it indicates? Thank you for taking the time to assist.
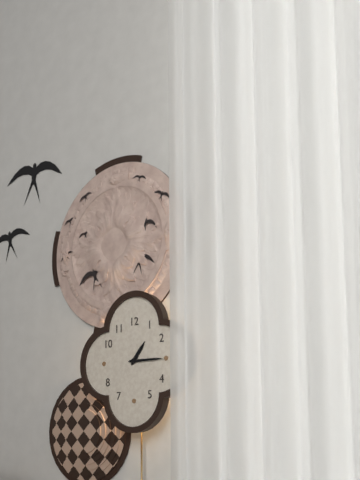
1:15
